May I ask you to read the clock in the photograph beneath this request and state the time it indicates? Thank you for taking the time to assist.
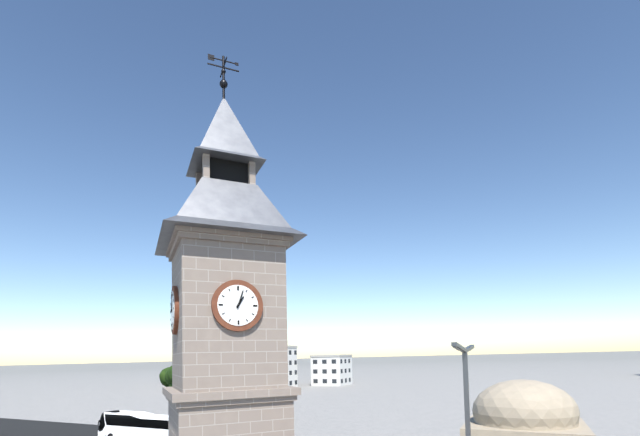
1:03
